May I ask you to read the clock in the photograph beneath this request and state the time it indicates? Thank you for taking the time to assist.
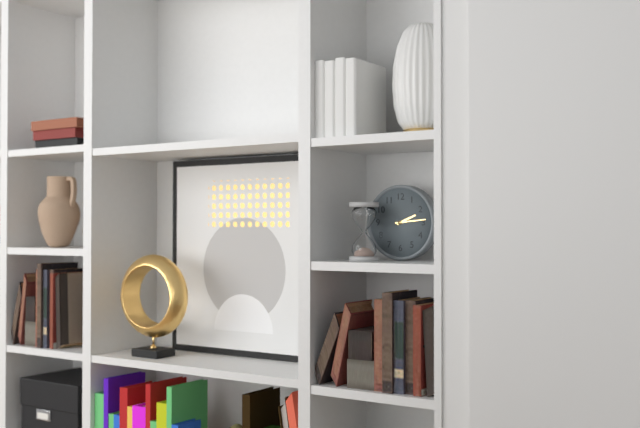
2:14
